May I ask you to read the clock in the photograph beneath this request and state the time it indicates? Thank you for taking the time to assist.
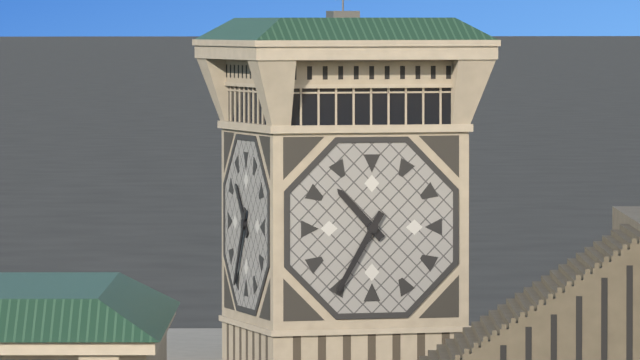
10:35
